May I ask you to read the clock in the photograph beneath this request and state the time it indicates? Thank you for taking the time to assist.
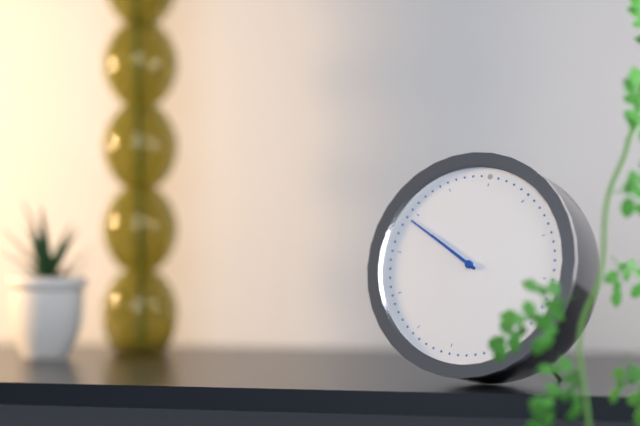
9:49
